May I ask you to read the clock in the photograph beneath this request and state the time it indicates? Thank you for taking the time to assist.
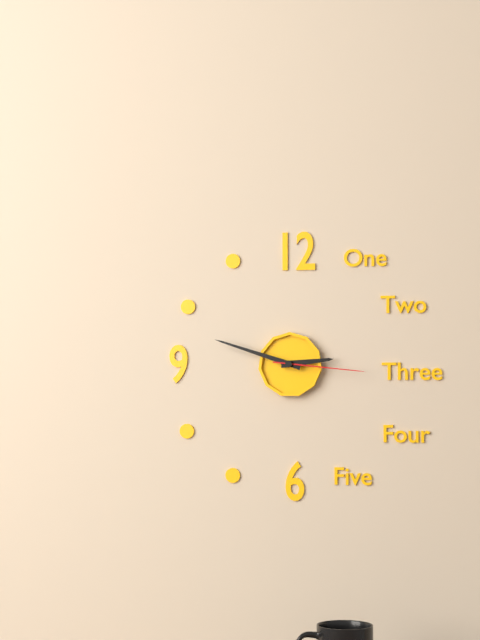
2:48:16
